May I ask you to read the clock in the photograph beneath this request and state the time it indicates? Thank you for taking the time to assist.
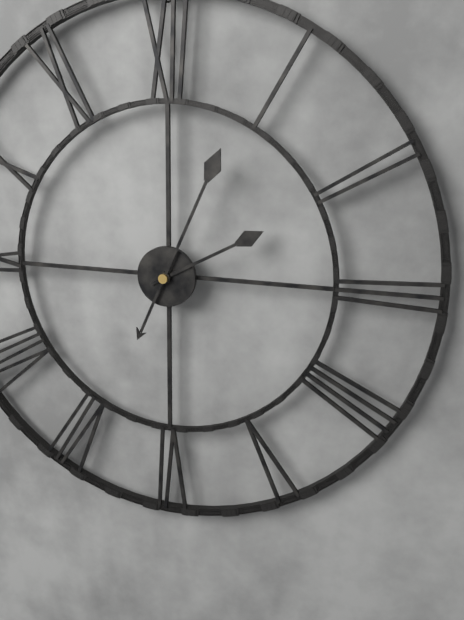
2:04
